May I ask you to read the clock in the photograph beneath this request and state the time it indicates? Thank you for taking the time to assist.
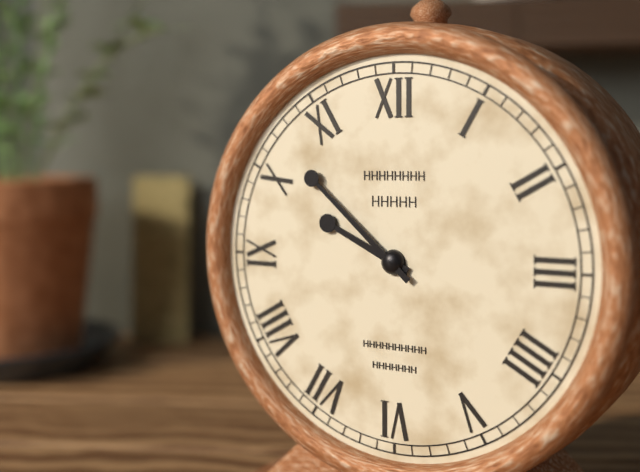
9:52
